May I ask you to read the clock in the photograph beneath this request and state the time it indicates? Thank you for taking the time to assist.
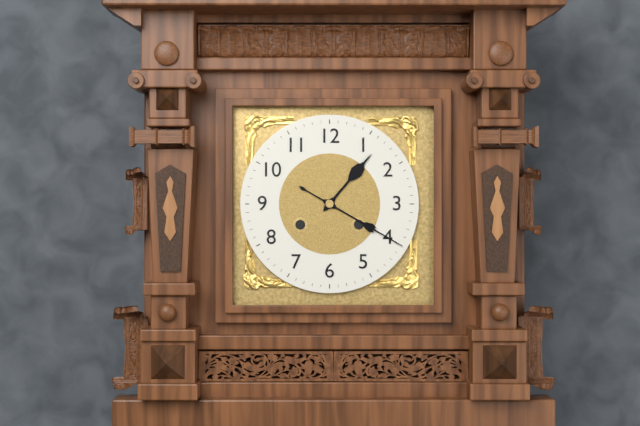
1:20
